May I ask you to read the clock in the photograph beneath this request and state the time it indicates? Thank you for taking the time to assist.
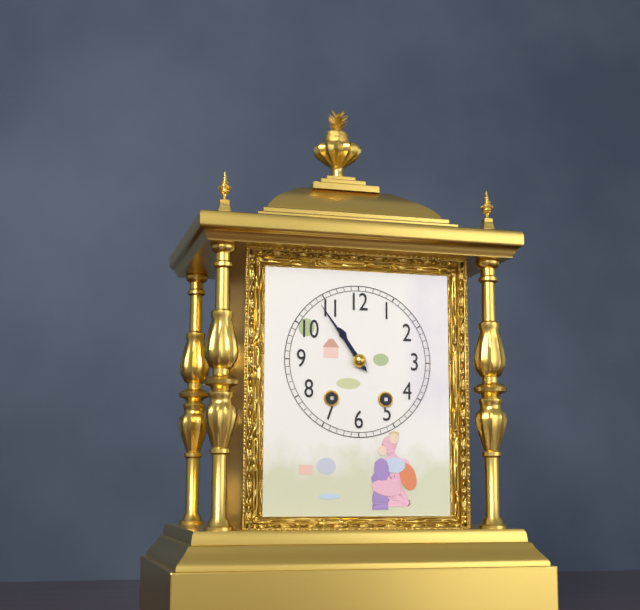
10:54
